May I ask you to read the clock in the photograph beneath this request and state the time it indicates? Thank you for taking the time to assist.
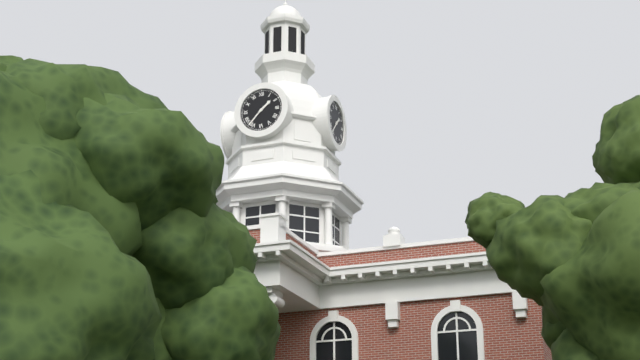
1:37
